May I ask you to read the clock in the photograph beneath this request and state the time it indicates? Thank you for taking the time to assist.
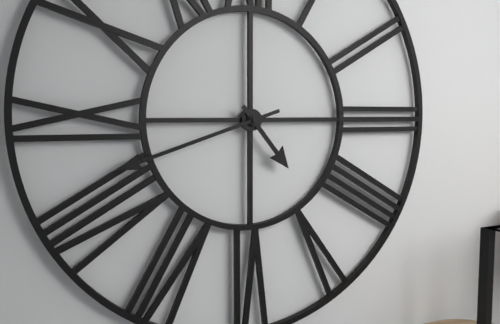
4:42
